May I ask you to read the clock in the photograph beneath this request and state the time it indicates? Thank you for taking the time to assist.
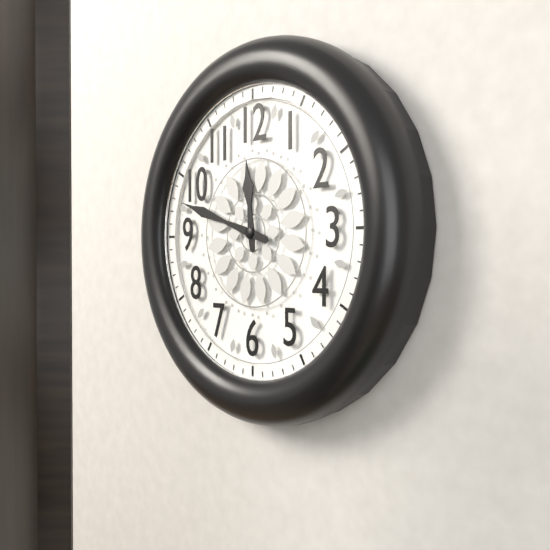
11:48
